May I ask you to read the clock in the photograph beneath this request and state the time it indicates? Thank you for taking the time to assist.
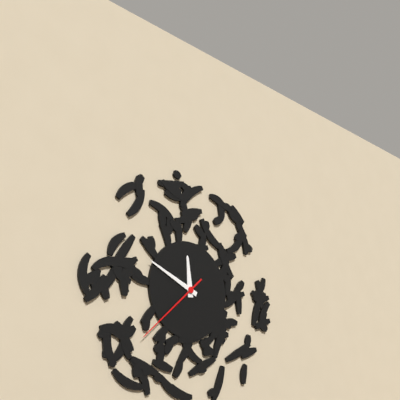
11:49:38
